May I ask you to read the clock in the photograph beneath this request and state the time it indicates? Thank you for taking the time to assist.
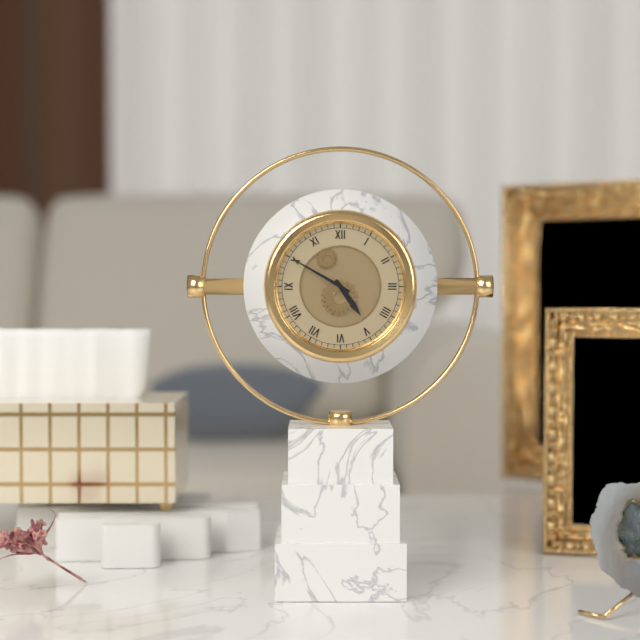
4:50
